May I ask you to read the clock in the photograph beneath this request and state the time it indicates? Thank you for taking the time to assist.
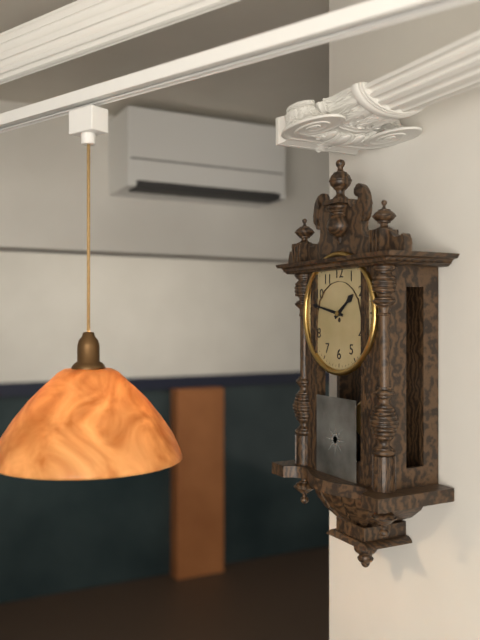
1:47
